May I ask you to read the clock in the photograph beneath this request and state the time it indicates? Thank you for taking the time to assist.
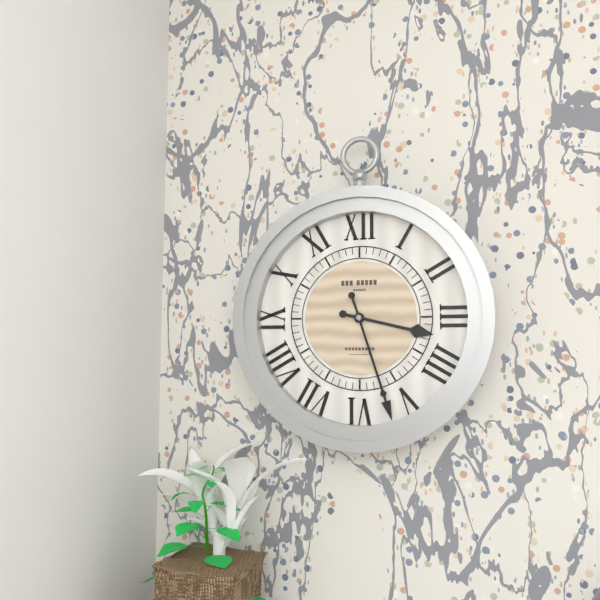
3:27
